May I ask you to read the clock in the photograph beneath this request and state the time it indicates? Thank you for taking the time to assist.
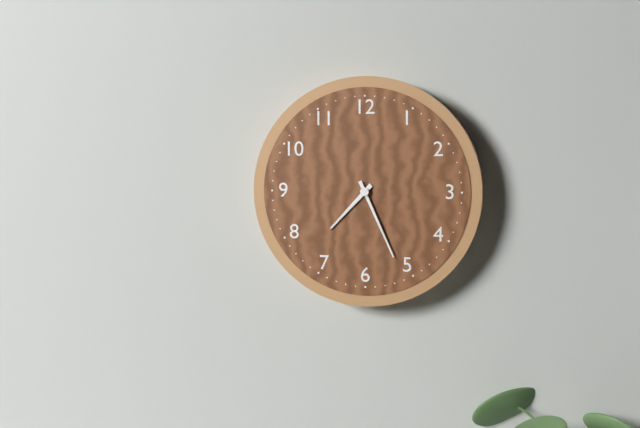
7:26
